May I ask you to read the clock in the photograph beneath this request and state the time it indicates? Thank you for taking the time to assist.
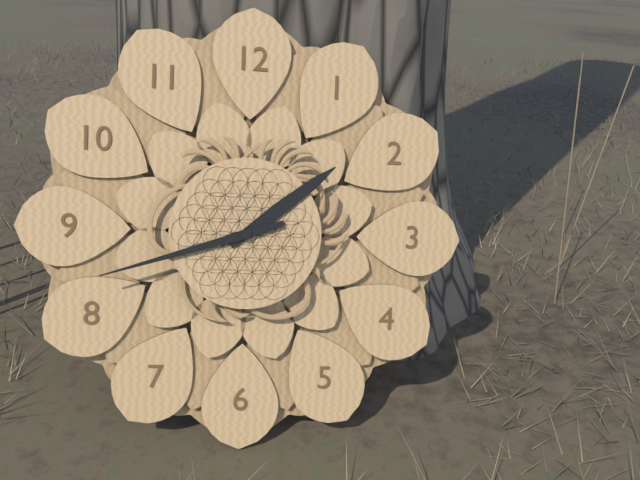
1:42
